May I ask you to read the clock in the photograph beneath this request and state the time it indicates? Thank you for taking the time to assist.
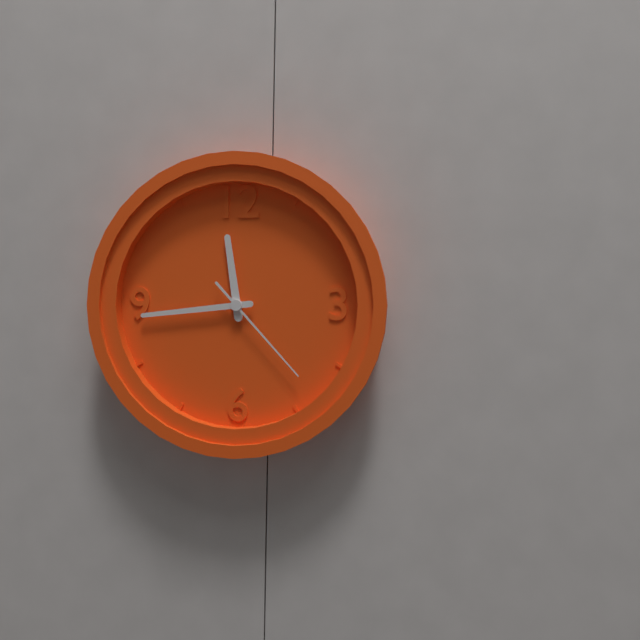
11:44:23
